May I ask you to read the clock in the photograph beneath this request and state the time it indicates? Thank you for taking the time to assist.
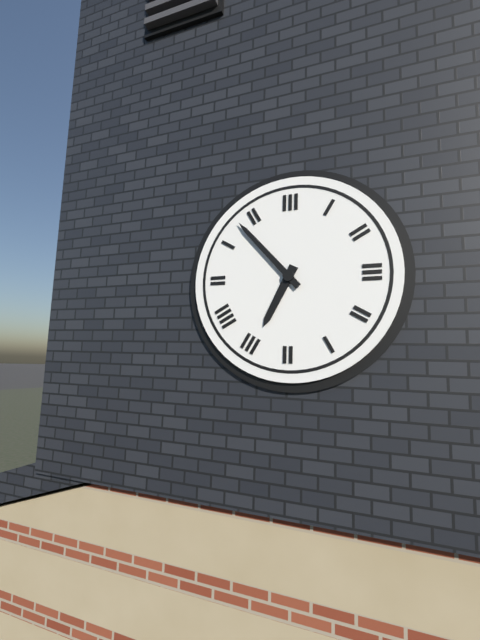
6:53
